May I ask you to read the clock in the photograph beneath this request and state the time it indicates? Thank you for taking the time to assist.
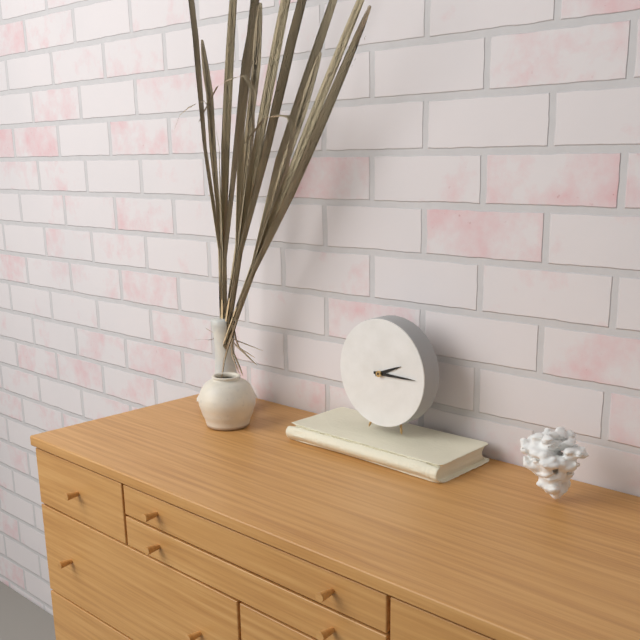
2:15
